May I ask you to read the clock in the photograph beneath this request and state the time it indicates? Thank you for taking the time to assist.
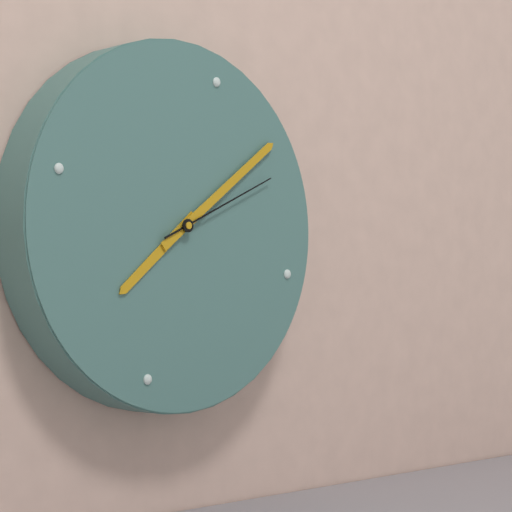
7:06:08
